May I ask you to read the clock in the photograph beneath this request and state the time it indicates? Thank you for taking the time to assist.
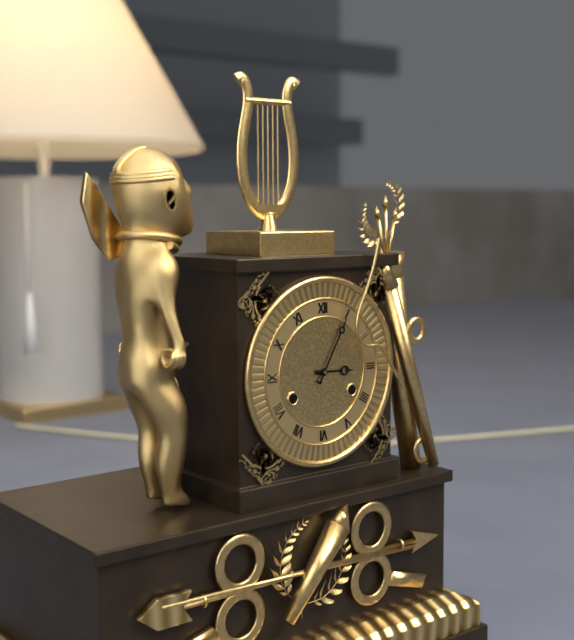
3:05
